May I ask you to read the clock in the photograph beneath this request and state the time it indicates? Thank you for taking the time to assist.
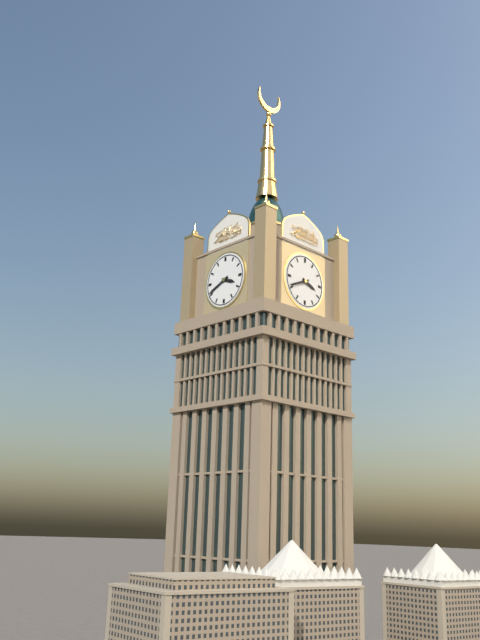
3:41
